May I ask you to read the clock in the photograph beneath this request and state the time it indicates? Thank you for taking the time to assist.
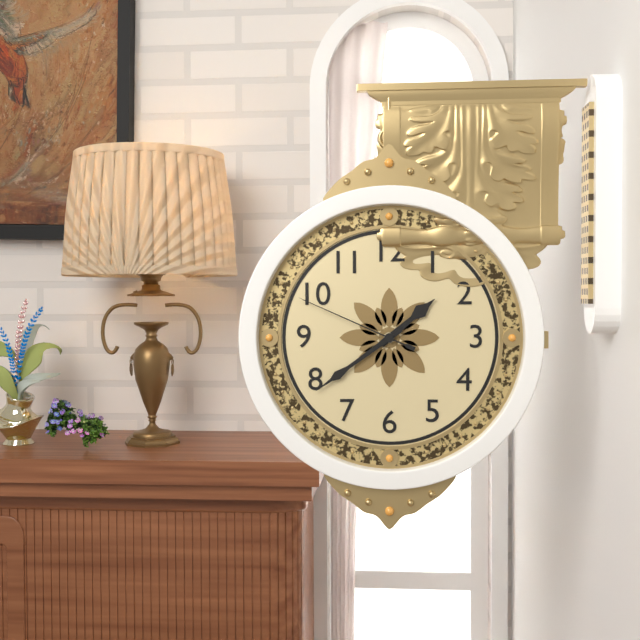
1:39:49
